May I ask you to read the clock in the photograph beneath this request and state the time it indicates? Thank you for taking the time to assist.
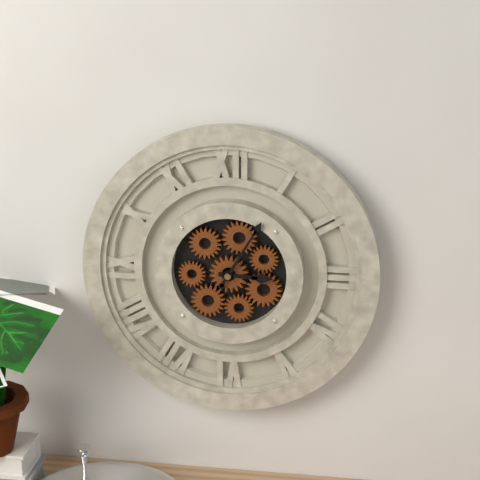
3:05
